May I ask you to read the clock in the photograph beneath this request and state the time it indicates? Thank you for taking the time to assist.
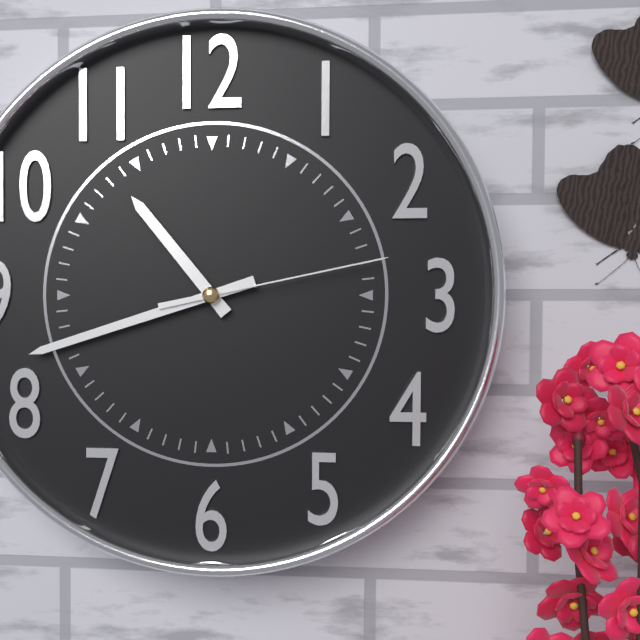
10:42:13
